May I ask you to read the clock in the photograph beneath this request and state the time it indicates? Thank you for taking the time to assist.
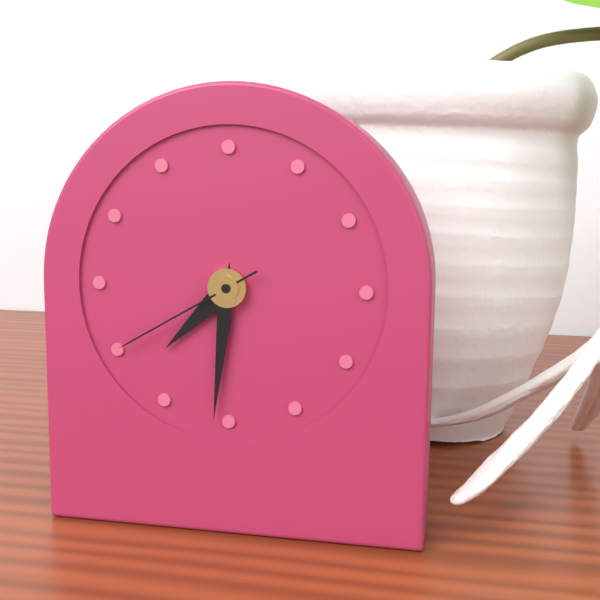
7:31:40
